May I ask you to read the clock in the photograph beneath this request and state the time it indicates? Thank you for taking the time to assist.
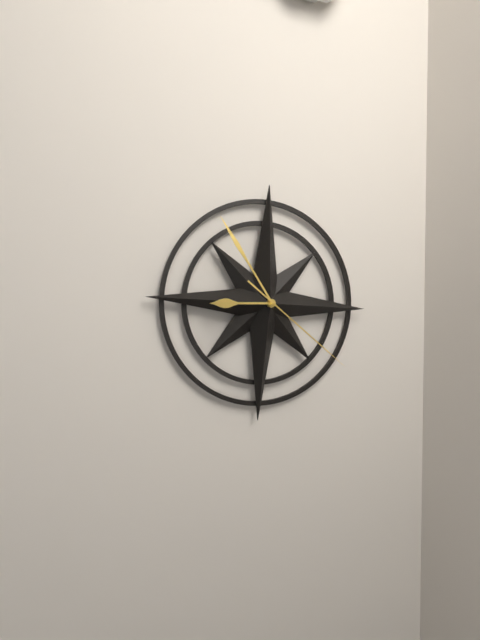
8:54:21
